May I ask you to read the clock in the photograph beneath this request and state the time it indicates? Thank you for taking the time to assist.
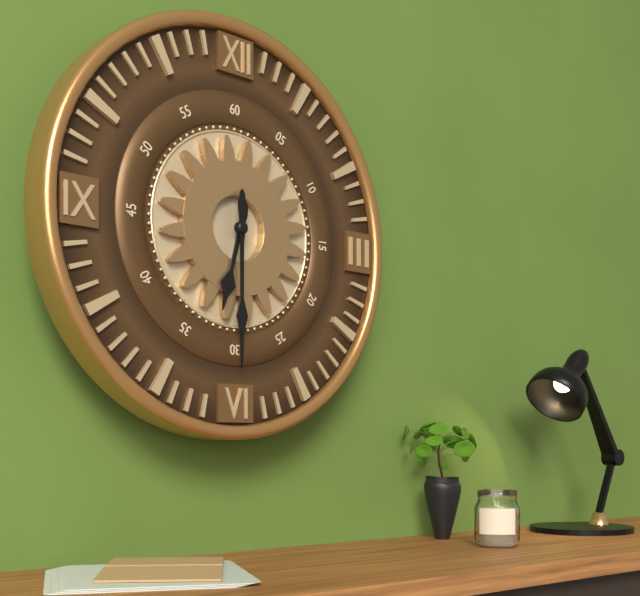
6:30
